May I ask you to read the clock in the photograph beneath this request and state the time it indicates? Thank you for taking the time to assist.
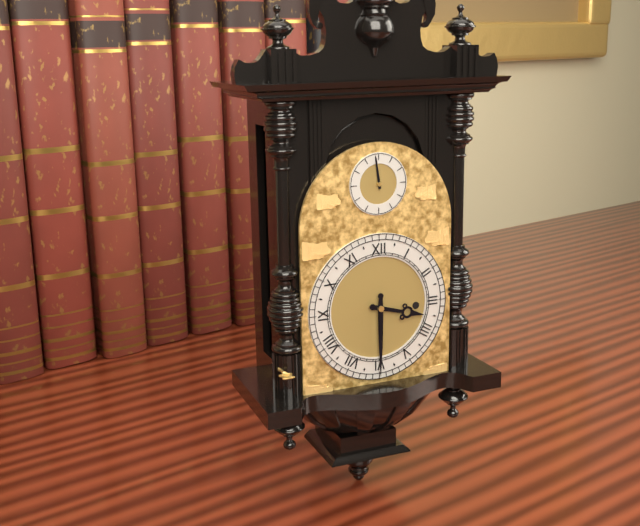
3:30
